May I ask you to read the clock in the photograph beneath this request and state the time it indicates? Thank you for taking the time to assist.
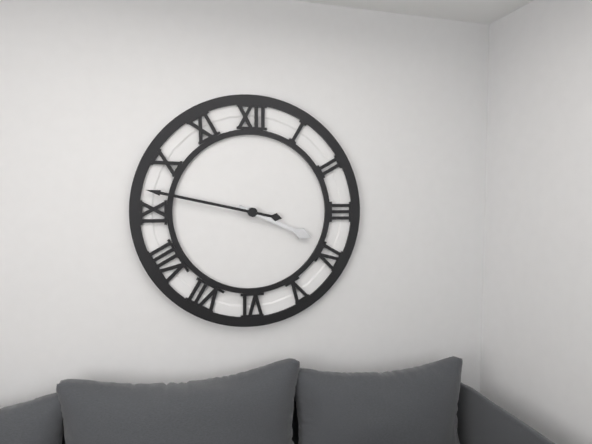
3:47
